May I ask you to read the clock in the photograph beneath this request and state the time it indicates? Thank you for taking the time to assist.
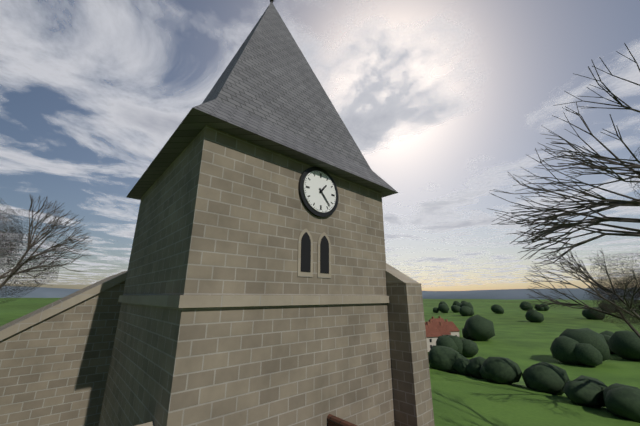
1:23
